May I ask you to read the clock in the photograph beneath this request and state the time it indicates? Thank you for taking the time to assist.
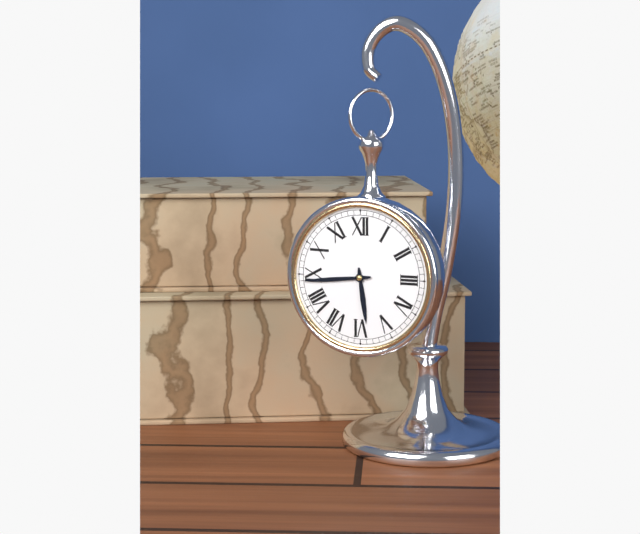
5:44
